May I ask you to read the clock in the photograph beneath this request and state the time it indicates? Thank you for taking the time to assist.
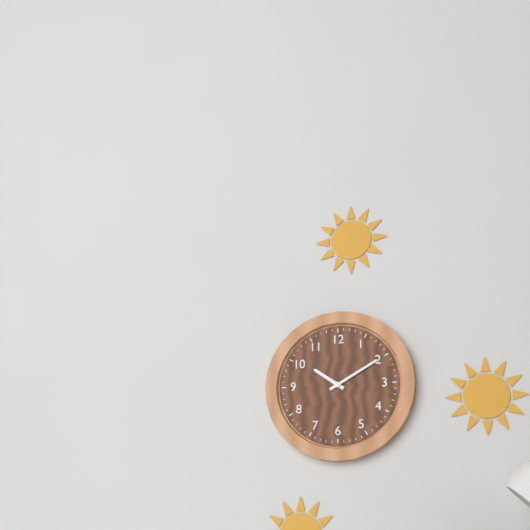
10:10
